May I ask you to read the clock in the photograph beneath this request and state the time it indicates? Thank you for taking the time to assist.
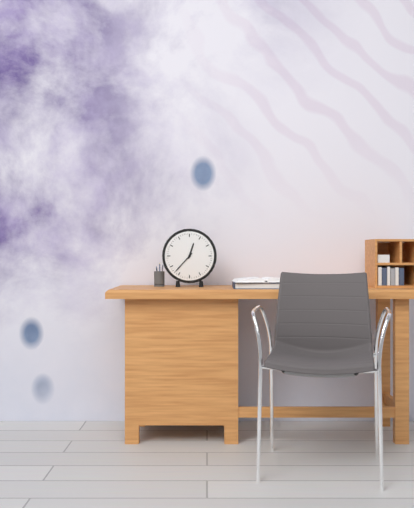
12:37
